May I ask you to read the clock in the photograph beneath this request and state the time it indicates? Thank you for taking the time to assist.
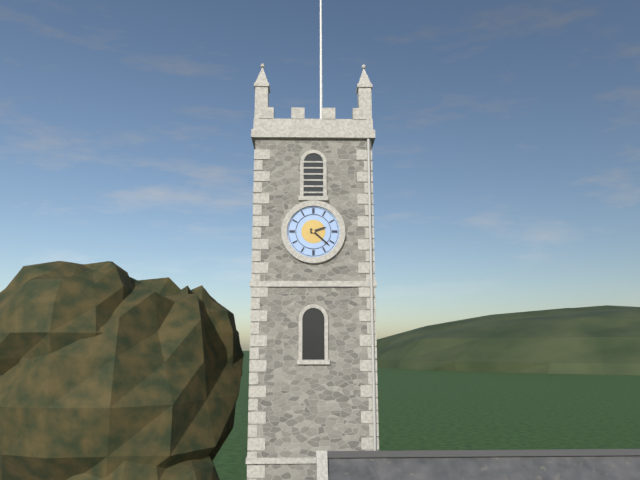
2:22
